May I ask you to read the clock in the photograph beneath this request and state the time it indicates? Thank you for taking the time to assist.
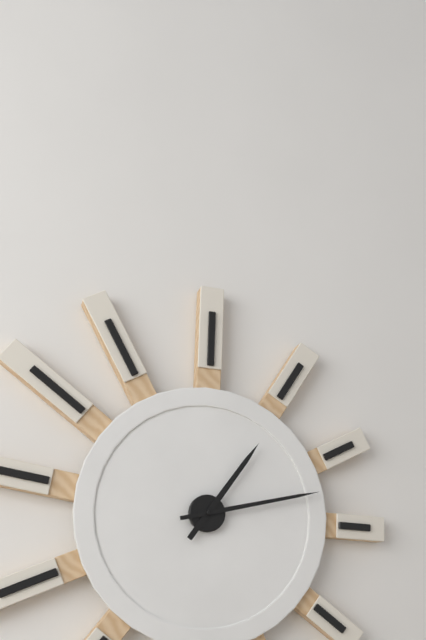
1:13
